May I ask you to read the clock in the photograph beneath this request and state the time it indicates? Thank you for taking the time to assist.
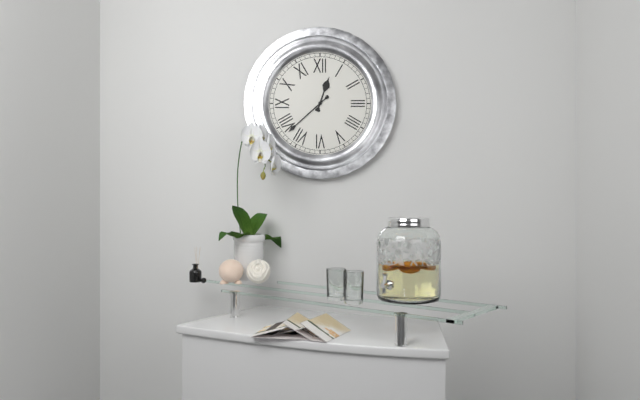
12:38
